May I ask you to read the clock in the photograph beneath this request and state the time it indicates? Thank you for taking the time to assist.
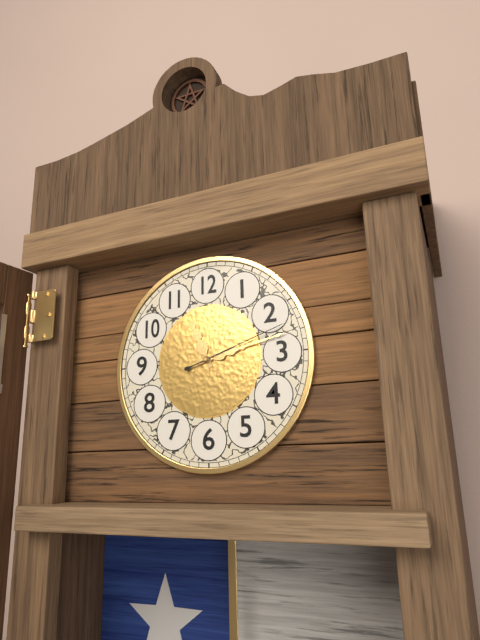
11:13:12
